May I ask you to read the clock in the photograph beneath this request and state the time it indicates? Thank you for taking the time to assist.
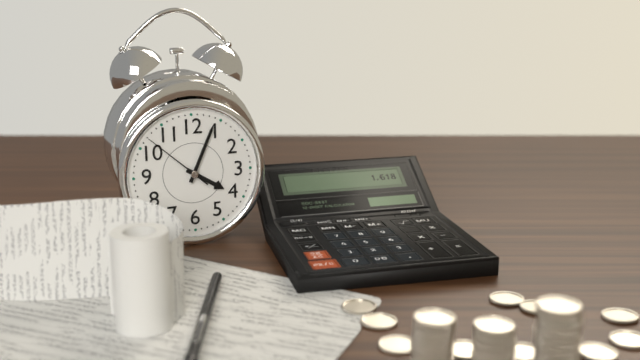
4:04:52
